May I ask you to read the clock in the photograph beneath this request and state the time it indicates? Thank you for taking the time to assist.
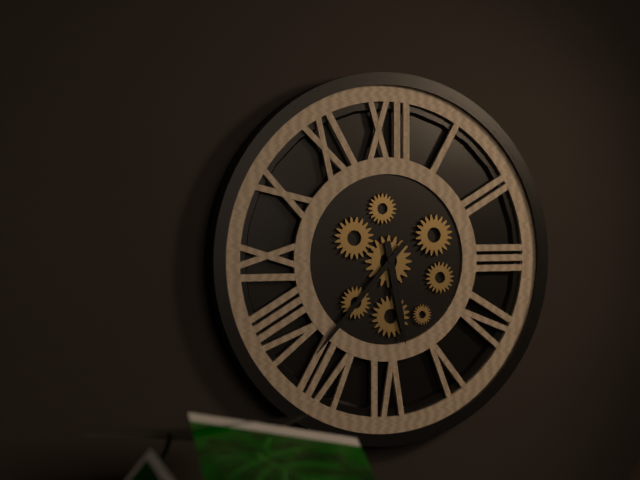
5:37
